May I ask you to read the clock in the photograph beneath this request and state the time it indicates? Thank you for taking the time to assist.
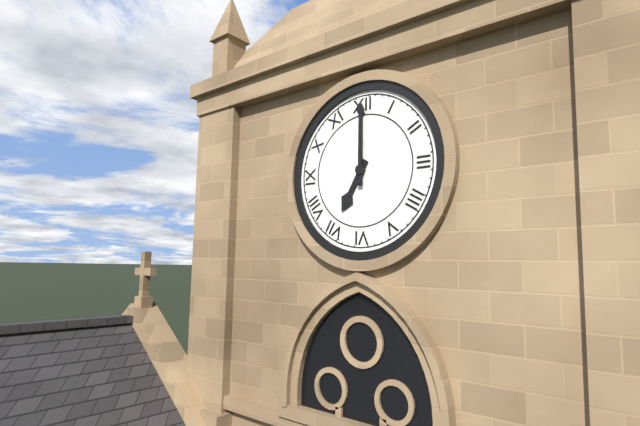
7:00
